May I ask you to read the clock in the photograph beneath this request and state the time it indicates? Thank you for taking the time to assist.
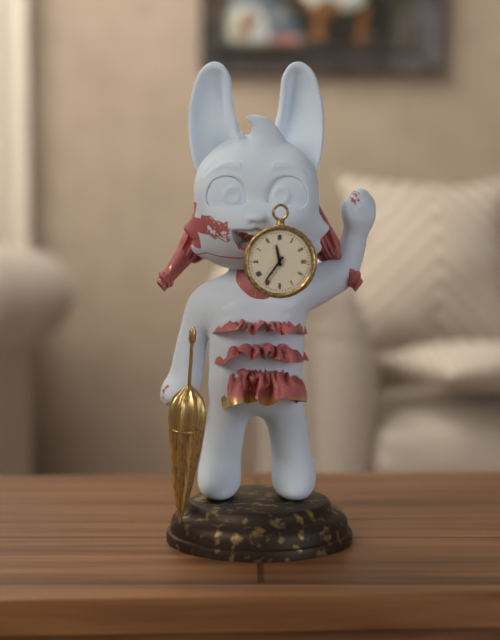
11:36
